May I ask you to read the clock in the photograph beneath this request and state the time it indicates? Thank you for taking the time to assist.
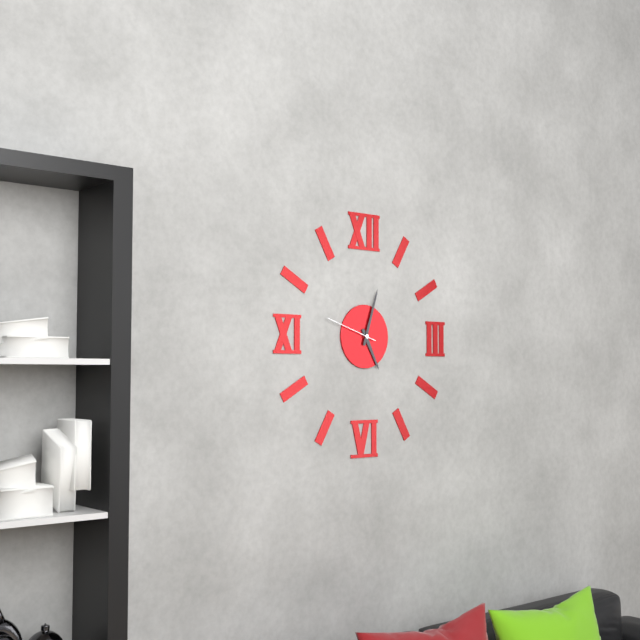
5:03:48
